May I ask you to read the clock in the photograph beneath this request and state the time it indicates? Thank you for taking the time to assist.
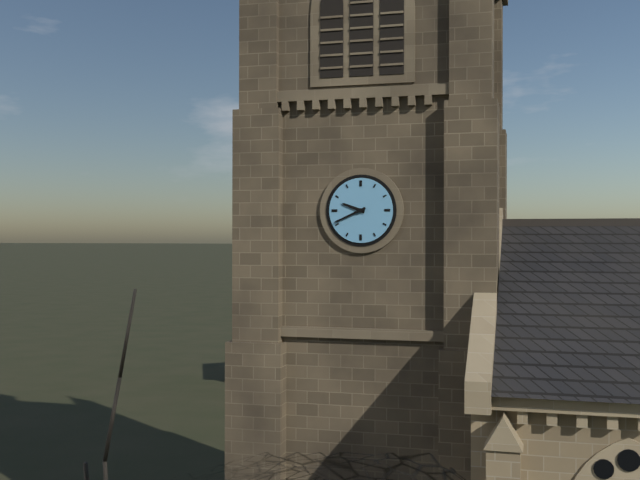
9:41
